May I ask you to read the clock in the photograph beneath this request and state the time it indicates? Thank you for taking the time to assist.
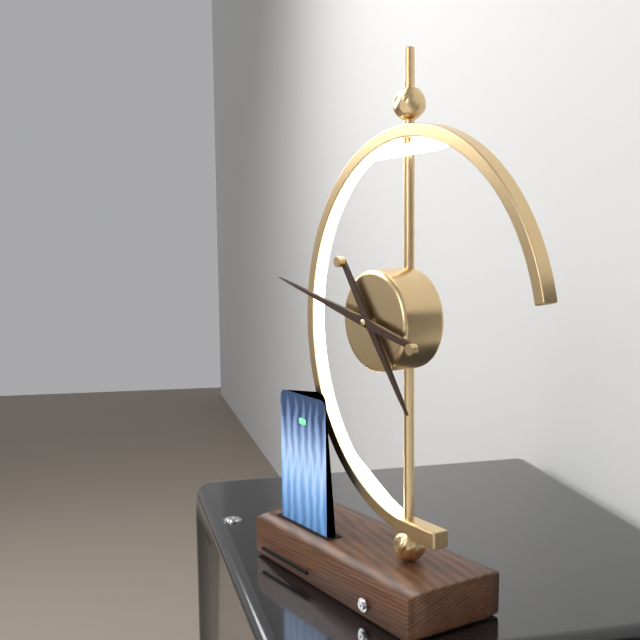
4:47
